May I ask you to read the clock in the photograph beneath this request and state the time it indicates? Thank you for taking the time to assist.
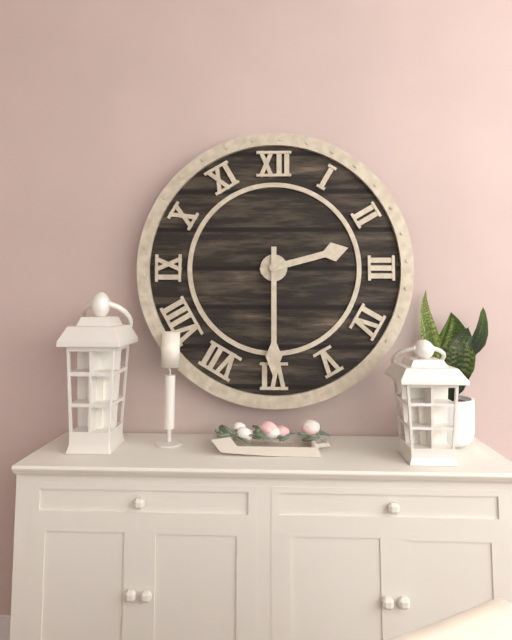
2:30
